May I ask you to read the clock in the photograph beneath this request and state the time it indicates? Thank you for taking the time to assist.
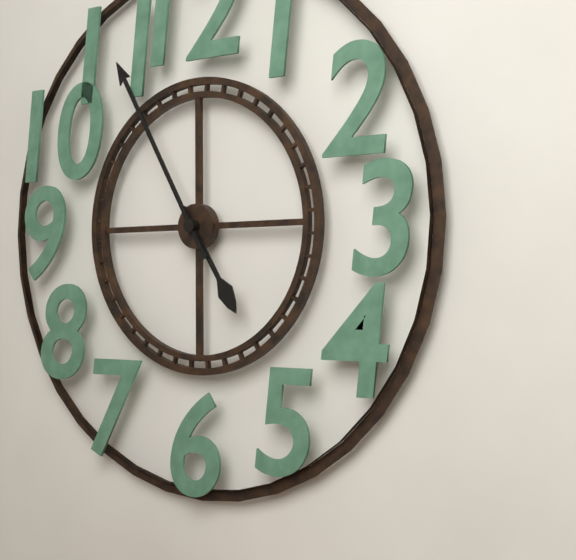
4:55
